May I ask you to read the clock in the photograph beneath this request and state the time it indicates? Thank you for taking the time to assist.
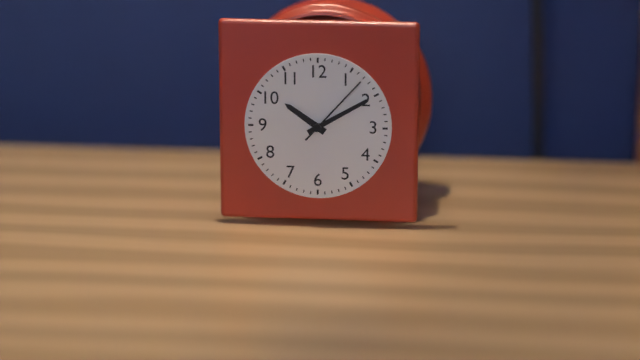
10:10:07
